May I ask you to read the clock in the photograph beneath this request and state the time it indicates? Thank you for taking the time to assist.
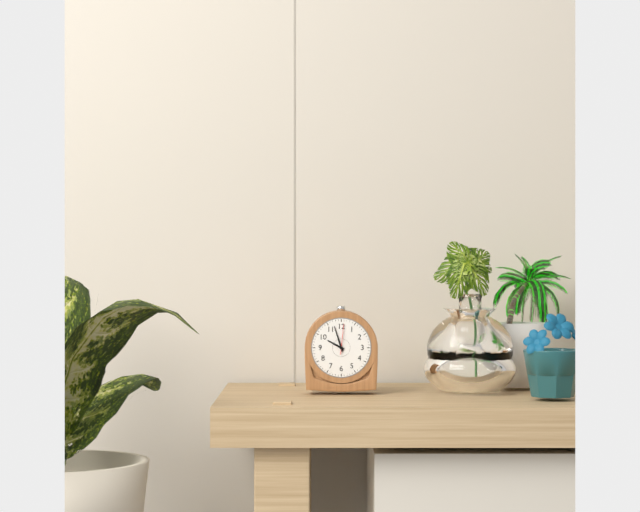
9:57
